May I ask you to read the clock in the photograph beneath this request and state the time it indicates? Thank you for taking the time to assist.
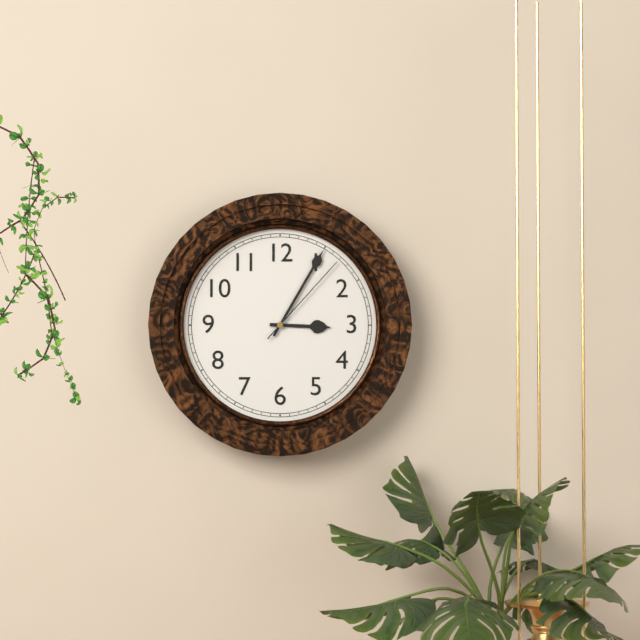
3:05:07
